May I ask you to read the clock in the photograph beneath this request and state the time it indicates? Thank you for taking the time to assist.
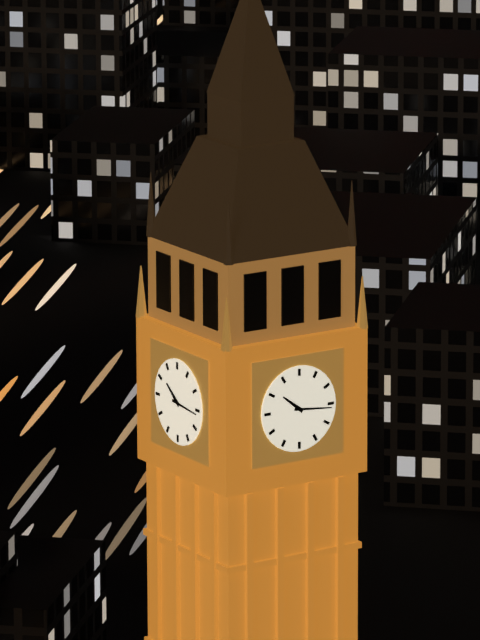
10:16
